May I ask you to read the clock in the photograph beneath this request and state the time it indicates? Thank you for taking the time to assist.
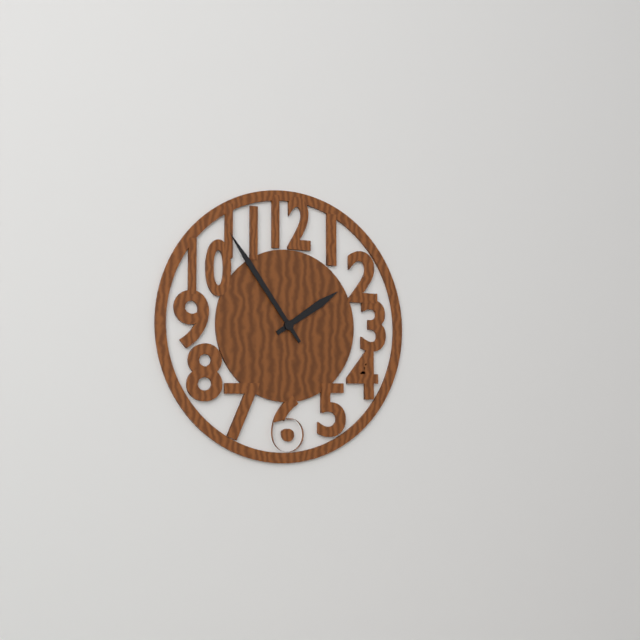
1:54
